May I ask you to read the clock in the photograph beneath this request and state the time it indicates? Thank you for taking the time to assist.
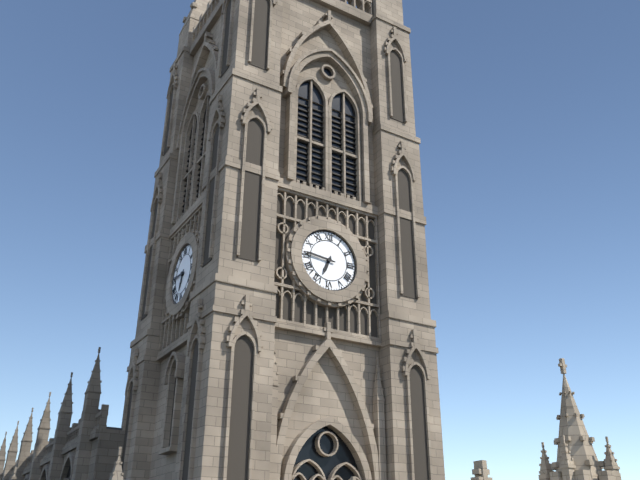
6:46
